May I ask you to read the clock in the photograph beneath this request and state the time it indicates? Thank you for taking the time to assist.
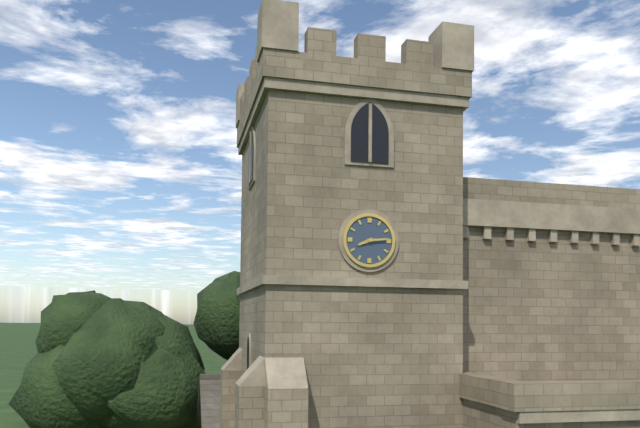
8:14
